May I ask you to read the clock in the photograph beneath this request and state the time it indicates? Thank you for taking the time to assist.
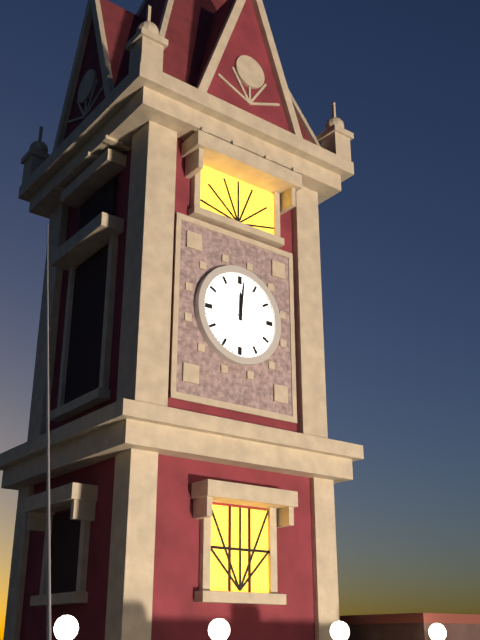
12:01
